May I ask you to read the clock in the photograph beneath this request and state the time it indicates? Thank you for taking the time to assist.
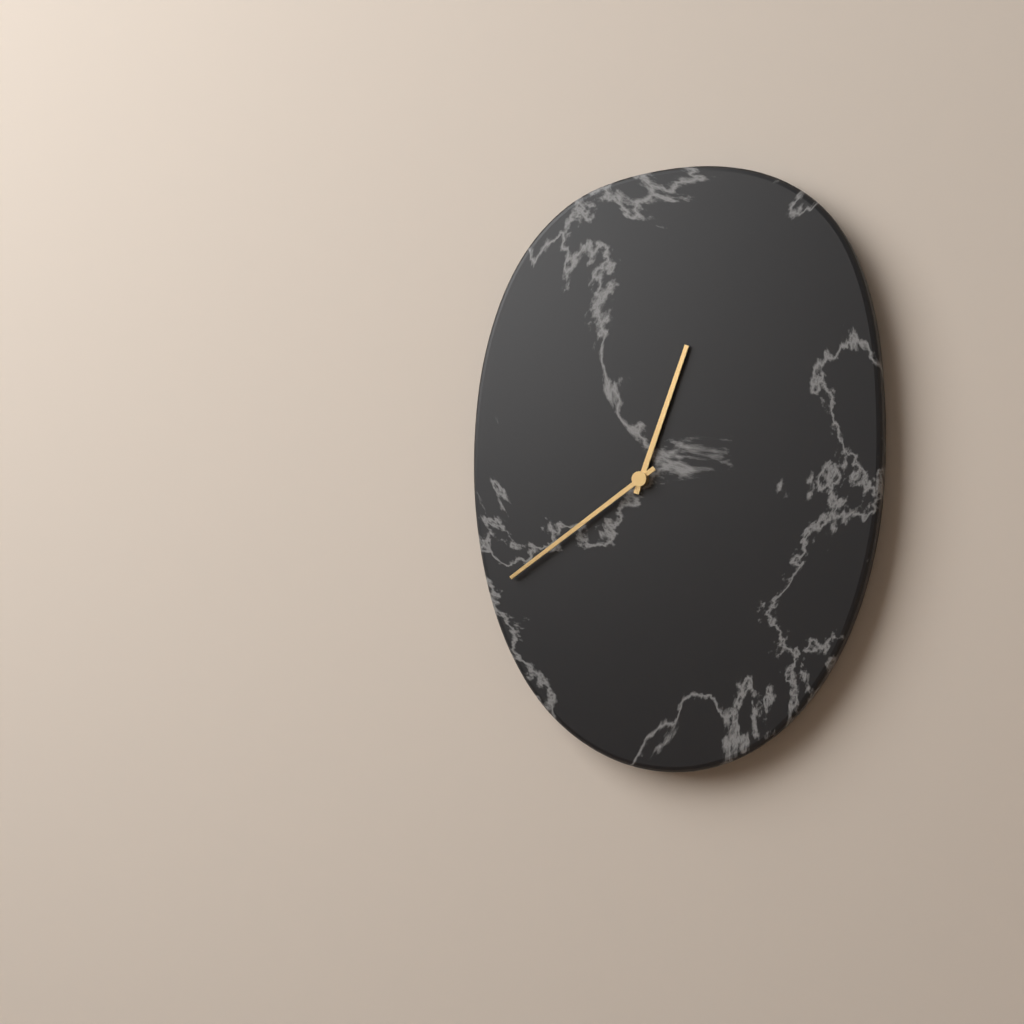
12:39
